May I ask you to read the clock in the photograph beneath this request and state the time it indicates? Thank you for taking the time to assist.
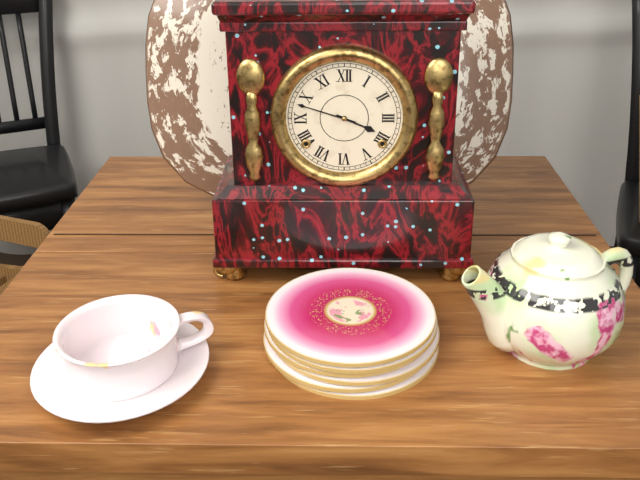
3:48
